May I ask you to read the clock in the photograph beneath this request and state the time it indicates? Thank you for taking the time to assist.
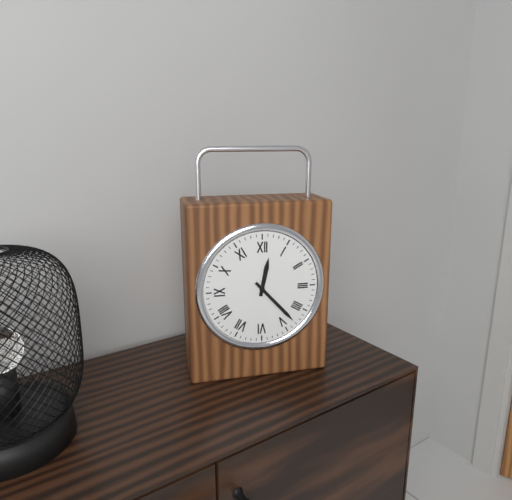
12:23
